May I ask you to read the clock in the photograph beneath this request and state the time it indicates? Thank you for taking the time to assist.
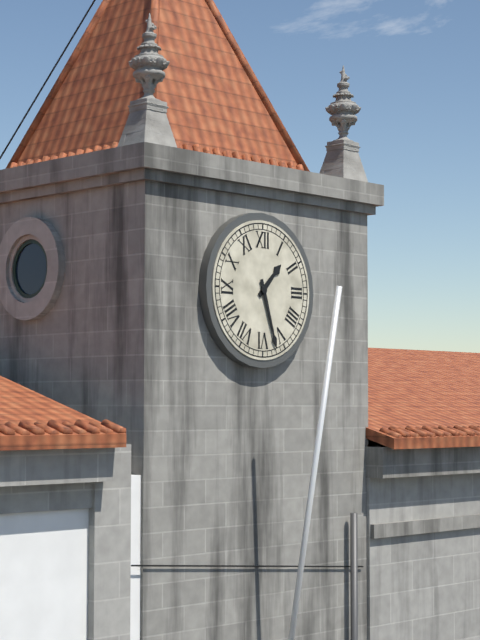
1:27
